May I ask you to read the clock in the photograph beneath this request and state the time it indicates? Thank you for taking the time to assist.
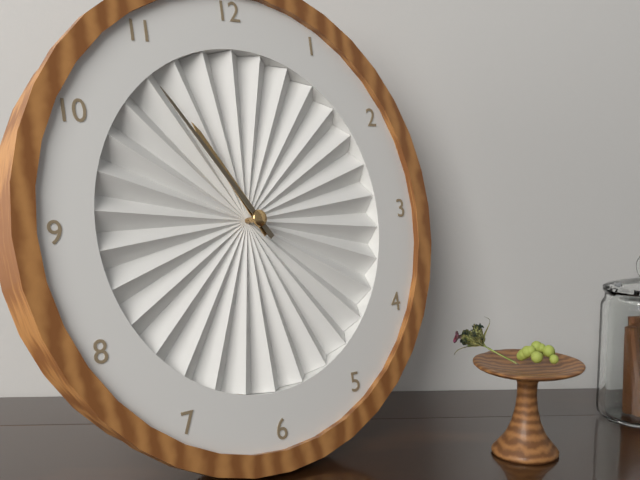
10:54
